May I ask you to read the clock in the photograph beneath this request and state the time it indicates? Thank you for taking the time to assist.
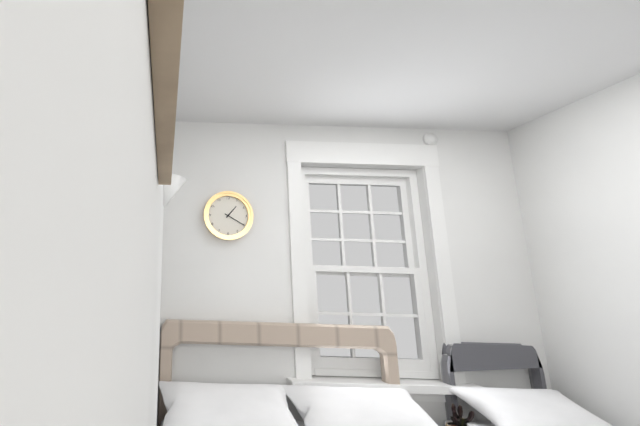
1:20
